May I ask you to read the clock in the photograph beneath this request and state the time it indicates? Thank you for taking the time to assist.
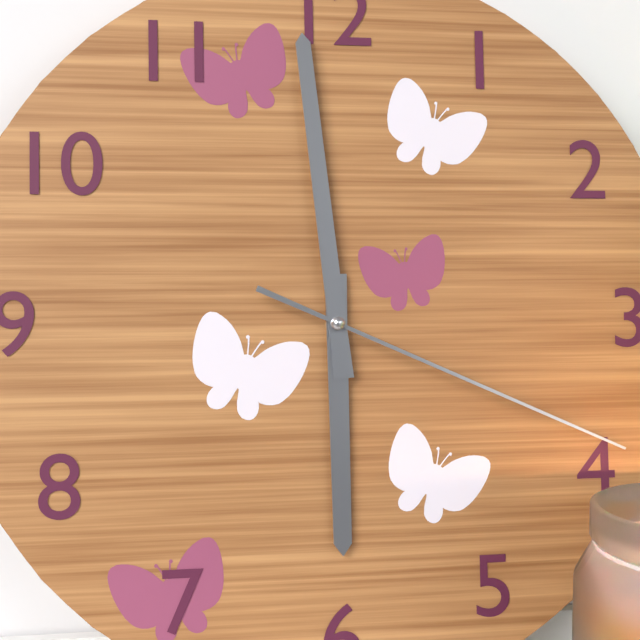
5:59:19
